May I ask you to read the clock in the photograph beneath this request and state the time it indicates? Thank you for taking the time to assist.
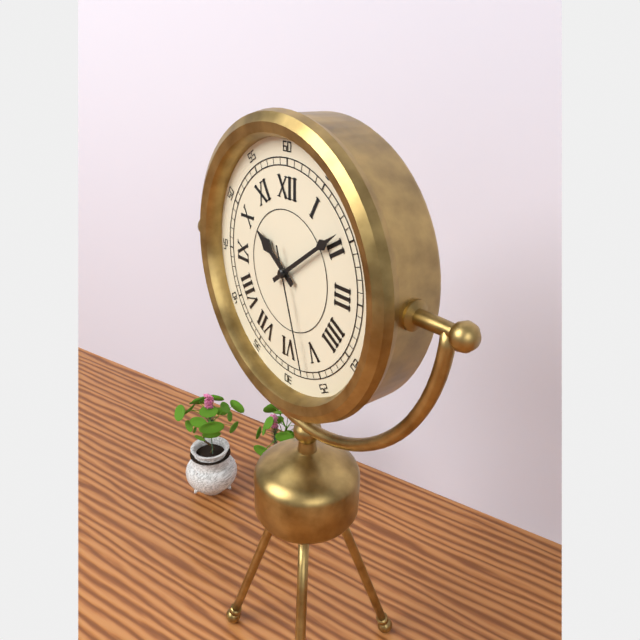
10:09:27
